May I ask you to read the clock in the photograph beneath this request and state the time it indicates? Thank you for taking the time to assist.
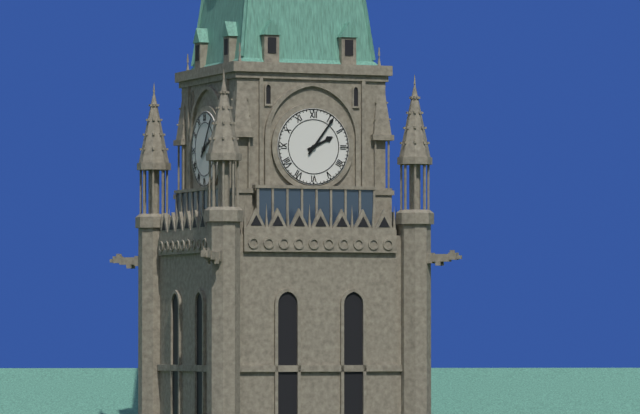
2:06
